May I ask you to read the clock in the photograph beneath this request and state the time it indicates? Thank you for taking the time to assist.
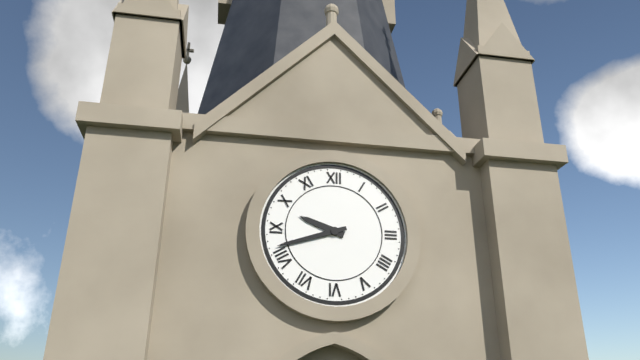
9:42
